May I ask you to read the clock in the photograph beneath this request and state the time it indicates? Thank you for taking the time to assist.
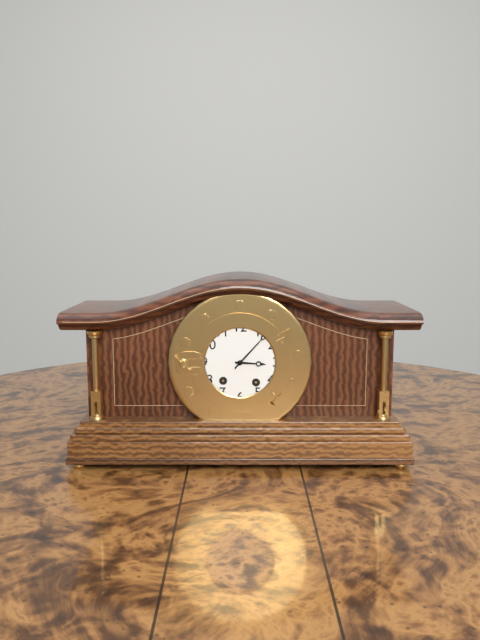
3:07
